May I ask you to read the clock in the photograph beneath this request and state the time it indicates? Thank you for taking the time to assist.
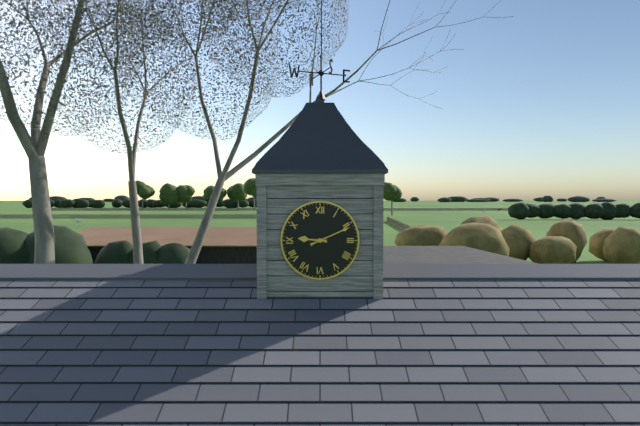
9:11
